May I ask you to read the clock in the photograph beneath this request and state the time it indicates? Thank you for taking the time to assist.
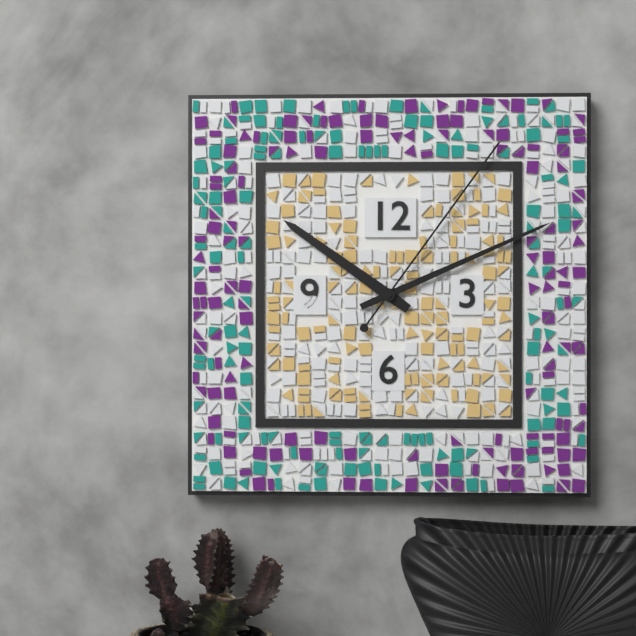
10:11:06
